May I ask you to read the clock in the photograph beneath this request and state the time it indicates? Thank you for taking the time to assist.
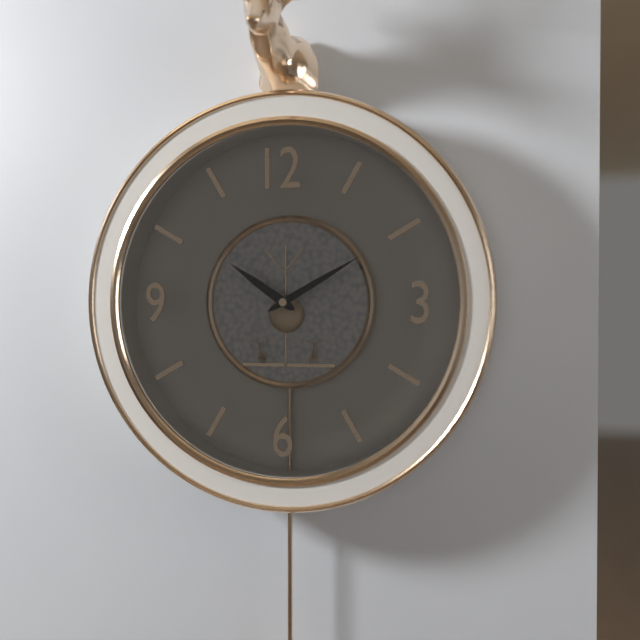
10:10
